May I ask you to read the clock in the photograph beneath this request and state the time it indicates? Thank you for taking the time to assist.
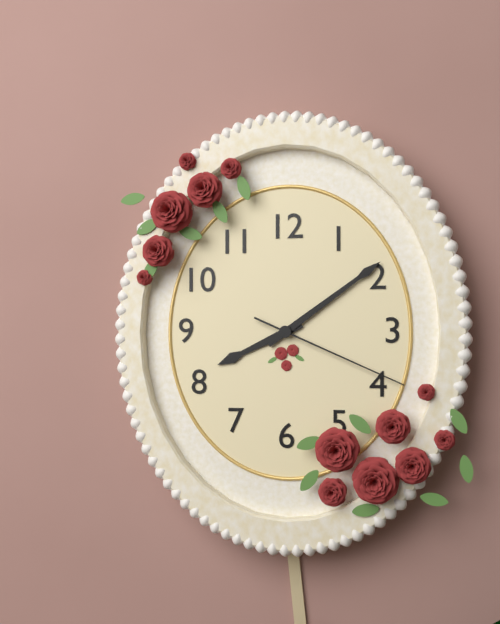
8:09:19
